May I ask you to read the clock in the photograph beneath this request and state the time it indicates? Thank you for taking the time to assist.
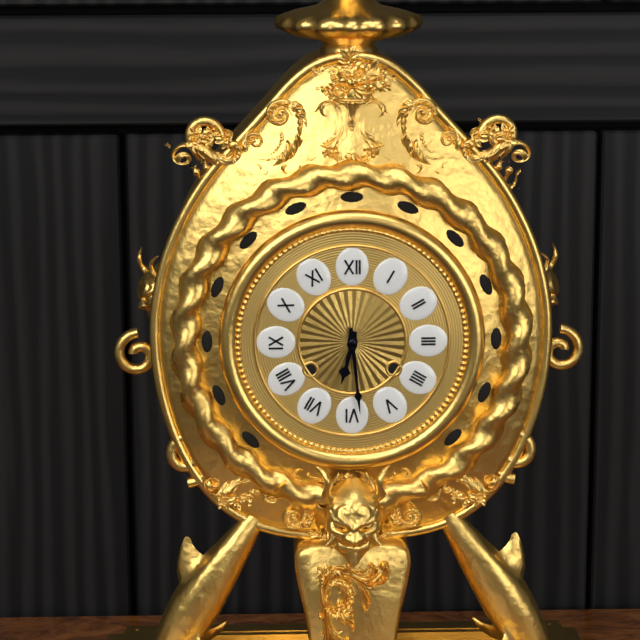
6:29
